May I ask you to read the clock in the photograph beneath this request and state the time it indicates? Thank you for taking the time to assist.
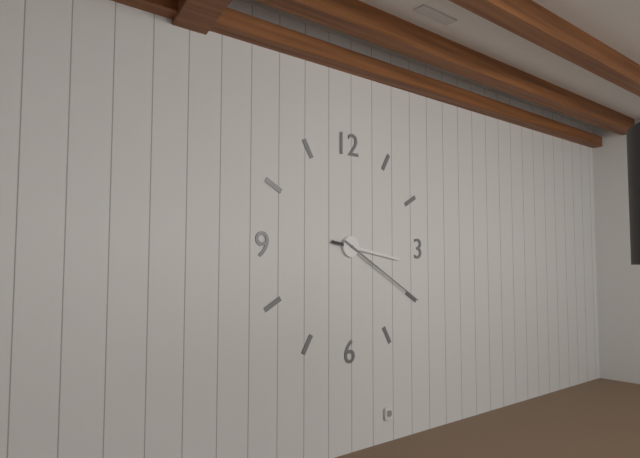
3:20
